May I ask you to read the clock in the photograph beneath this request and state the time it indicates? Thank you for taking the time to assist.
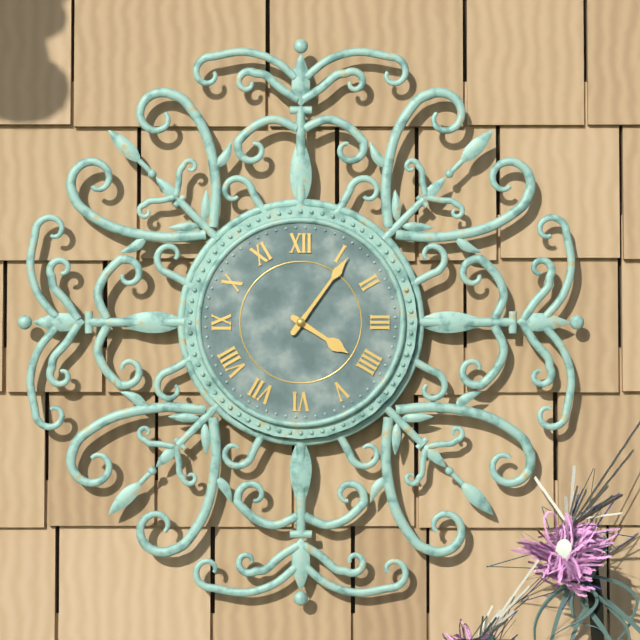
4:06
